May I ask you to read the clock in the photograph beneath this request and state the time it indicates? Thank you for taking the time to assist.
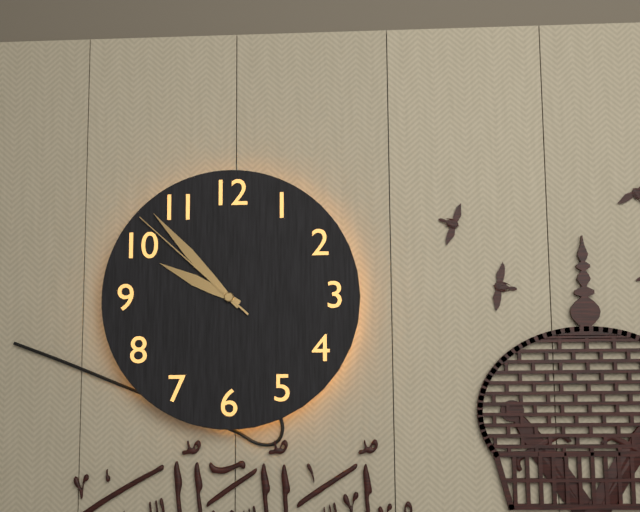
9:53:52
